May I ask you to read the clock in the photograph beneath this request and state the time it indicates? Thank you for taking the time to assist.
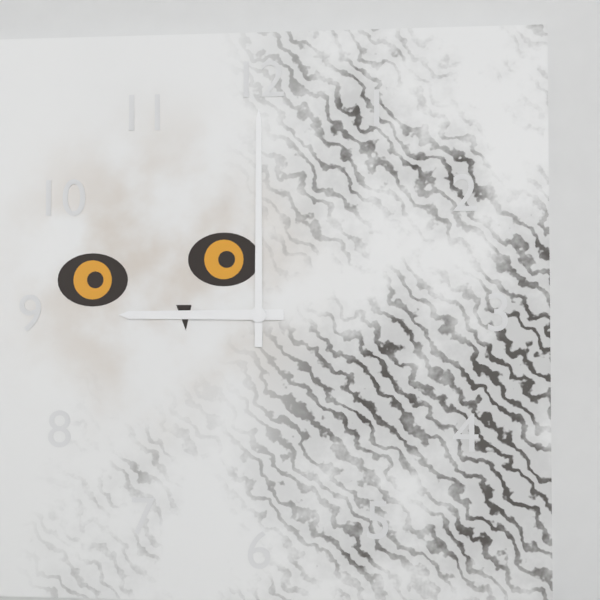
9:00
